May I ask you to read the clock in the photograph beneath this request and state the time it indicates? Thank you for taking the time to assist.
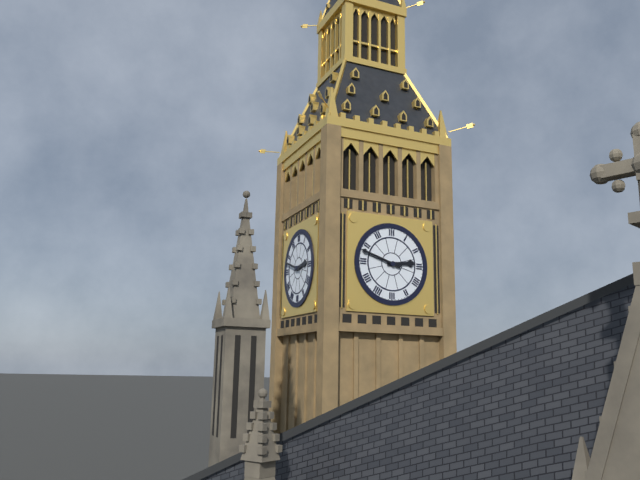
2:48
